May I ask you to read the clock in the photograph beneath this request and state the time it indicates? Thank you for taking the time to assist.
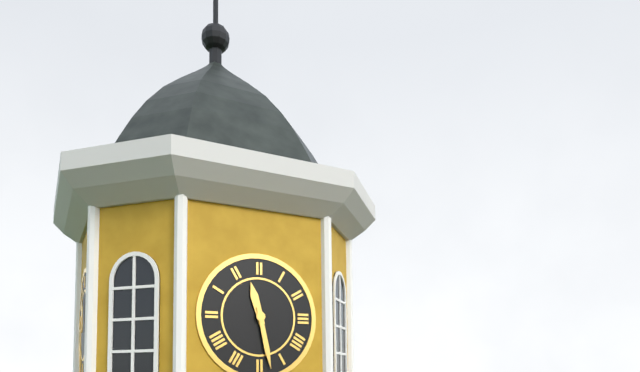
11:28
